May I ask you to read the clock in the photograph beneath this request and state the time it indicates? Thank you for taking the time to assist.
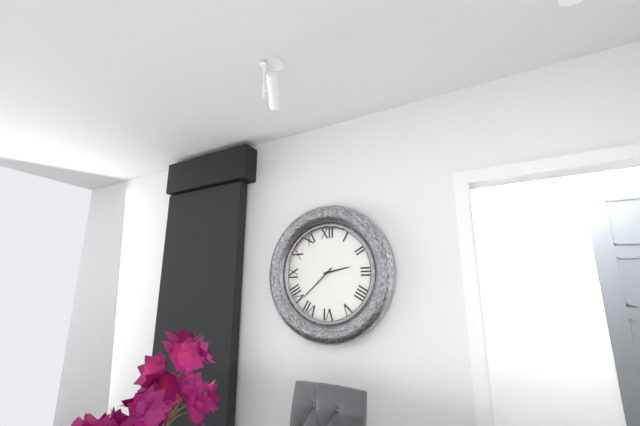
2:38
